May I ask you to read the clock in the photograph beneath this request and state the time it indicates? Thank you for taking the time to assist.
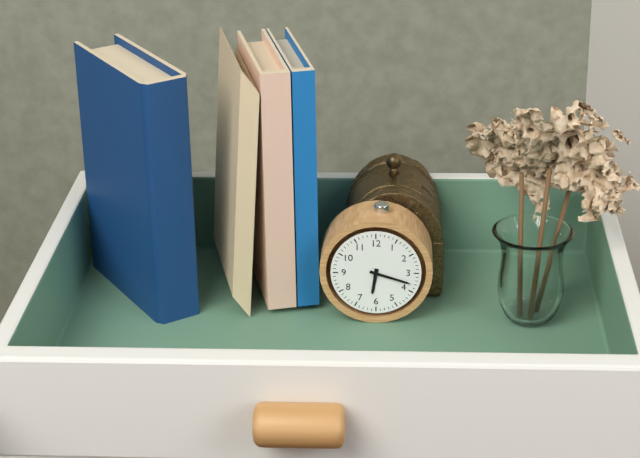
6:18
